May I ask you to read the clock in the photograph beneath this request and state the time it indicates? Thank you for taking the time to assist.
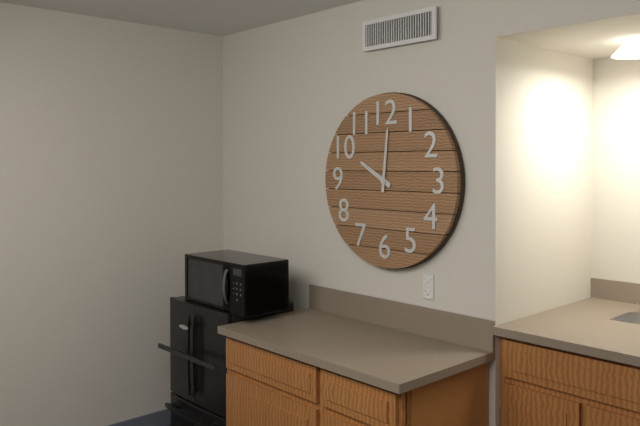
10:01
